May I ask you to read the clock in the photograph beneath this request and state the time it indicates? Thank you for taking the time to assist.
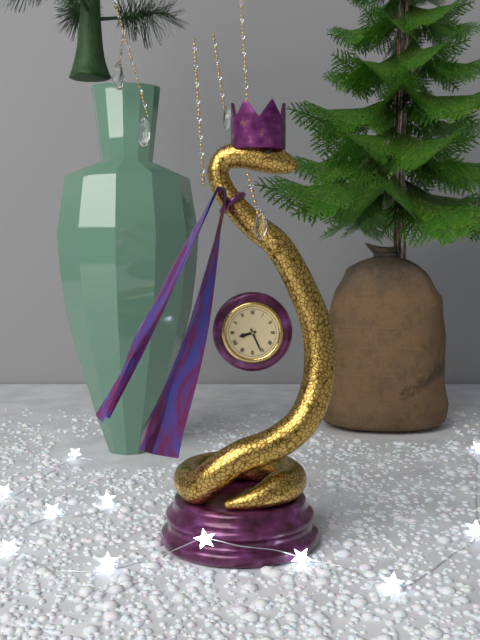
8:26
